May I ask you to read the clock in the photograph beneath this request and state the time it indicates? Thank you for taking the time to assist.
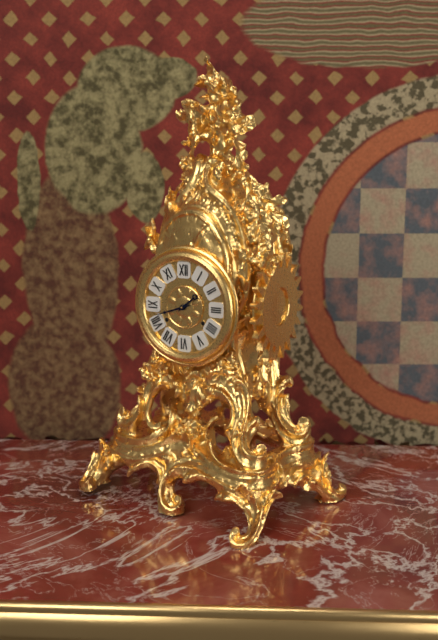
1:42
